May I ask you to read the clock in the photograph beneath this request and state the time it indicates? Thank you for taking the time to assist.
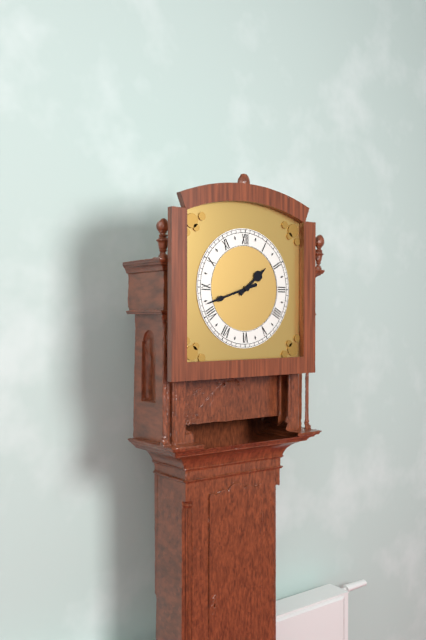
1:42
